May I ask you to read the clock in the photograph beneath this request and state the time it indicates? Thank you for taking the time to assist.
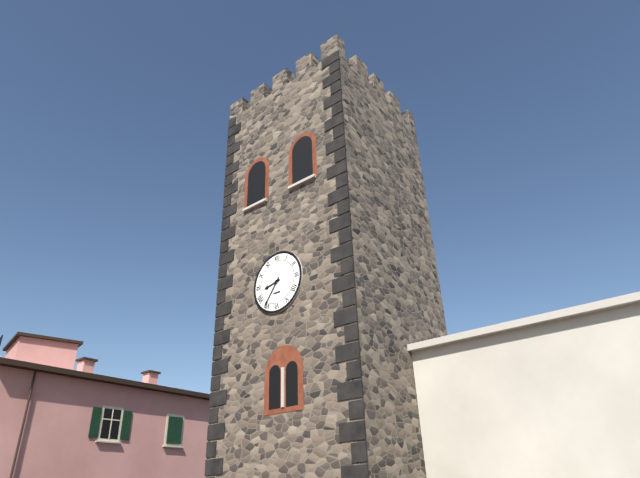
8:36
